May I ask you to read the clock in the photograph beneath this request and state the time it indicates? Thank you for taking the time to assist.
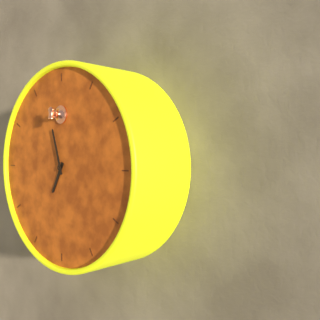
6:57
